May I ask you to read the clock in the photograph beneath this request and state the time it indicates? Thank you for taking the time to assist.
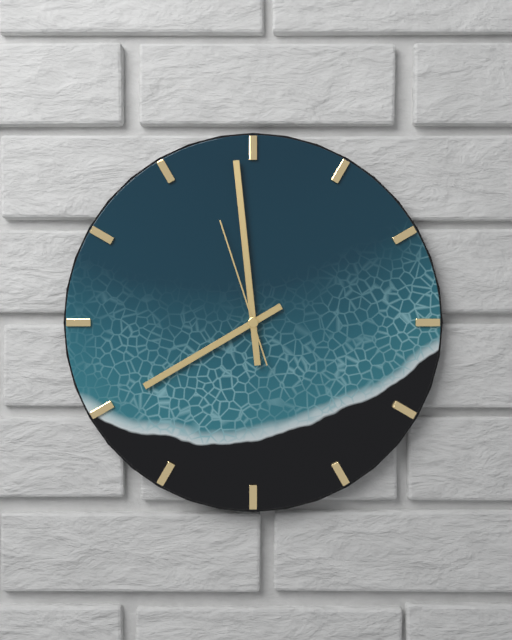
7:59:57
